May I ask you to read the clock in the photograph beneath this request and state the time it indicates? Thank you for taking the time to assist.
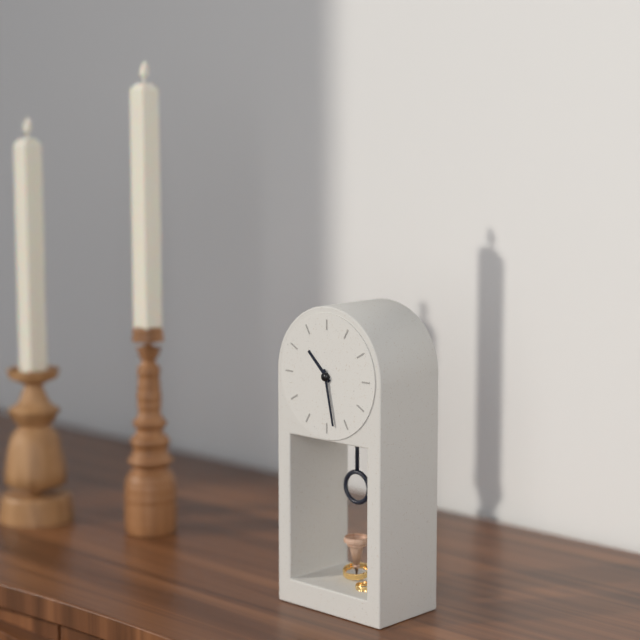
10:28
